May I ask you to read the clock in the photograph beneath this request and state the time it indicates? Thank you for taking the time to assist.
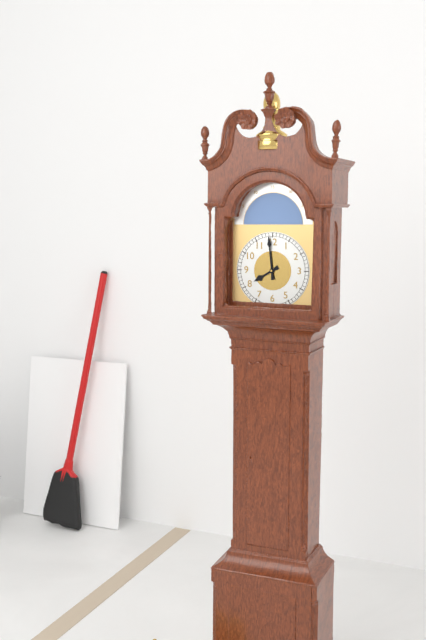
7:59
